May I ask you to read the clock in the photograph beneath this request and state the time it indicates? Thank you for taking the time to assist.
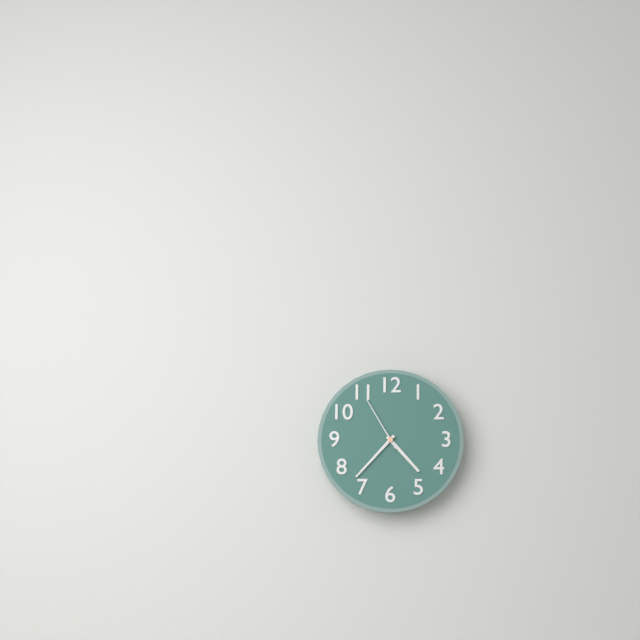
4:37:55
